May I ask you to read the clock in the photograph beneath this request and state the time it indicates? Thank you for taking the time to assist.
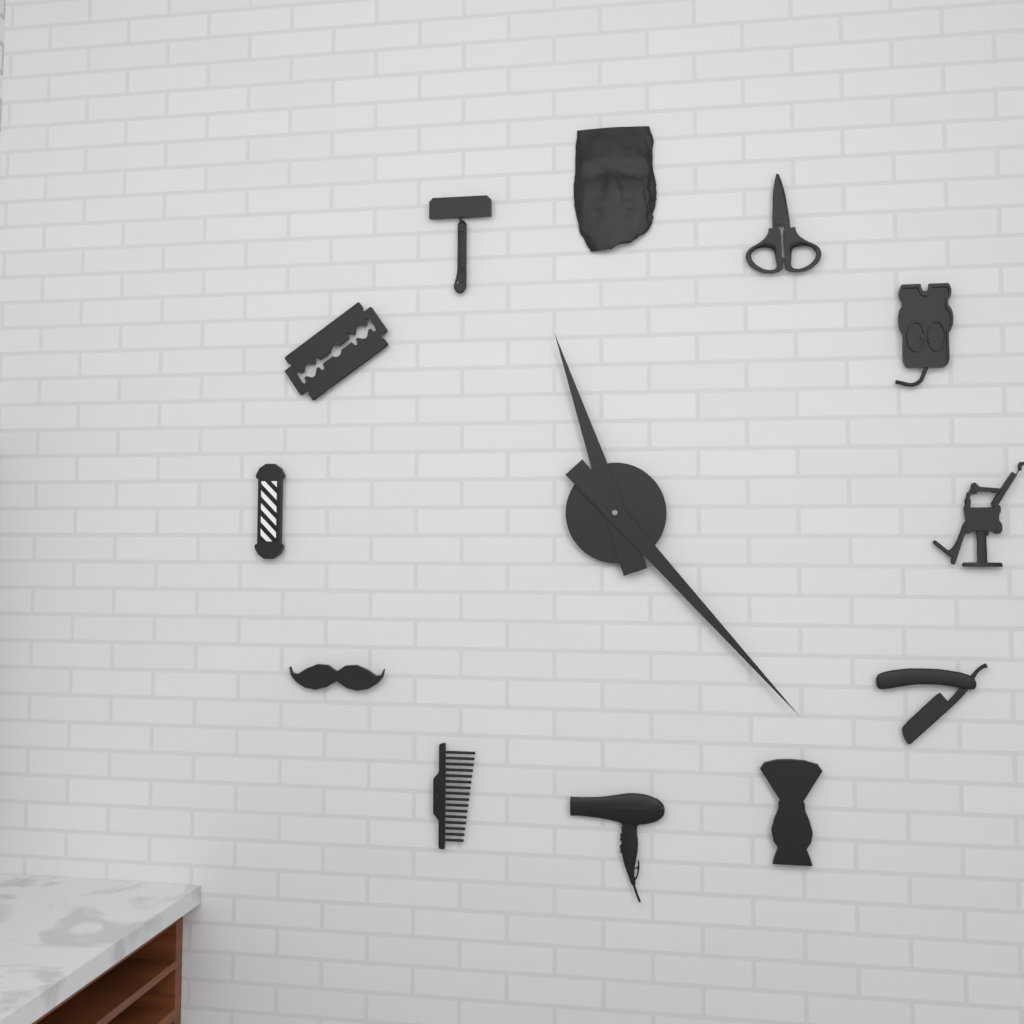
11:23
